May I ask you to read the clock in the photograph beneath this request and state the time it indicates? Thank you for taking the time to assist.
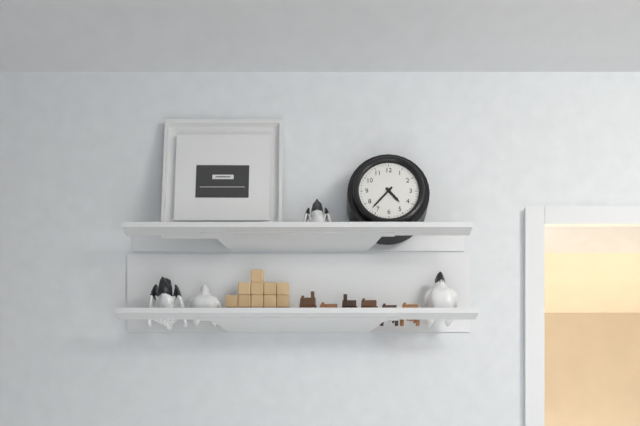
4:37
